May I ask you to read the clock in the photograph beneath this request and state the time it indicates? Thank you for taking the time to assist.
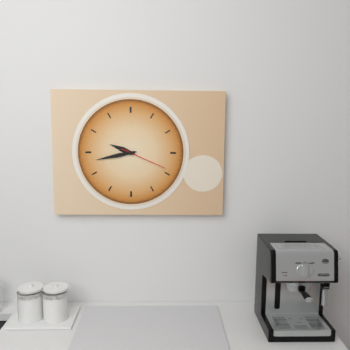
9:43
